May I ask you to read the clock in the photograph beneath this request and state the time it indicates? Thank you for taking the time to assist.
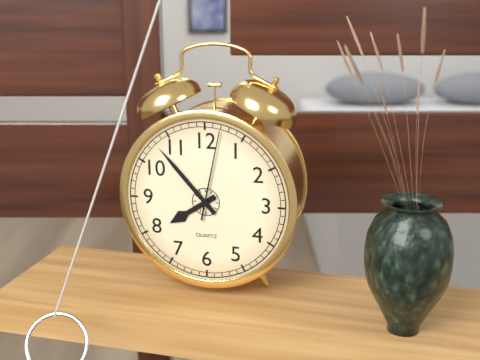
7:53:02
